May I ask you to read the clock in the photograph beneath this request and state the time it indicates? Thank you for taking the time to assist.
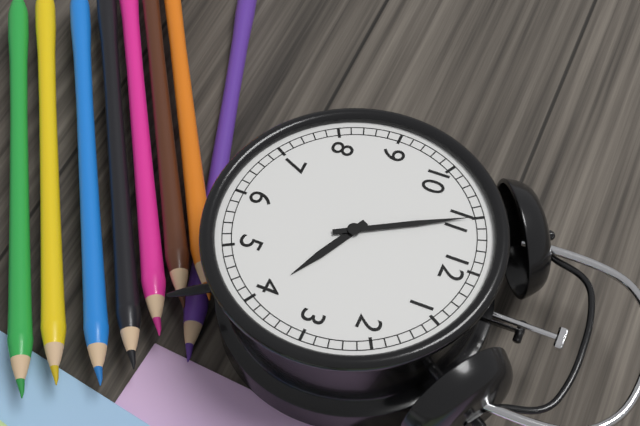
3:55
